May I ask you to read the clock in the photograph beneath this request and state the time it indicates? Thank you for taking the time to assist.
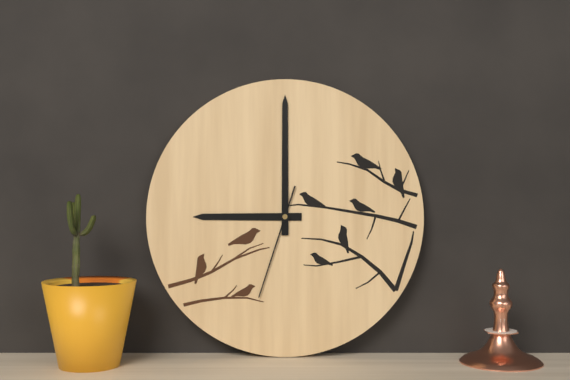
9:00:33
